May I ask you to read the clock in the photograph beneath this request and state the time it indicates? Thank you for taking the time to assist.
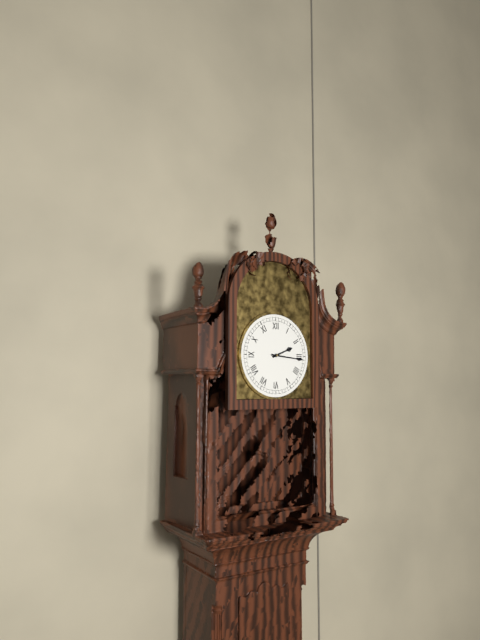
2:16
